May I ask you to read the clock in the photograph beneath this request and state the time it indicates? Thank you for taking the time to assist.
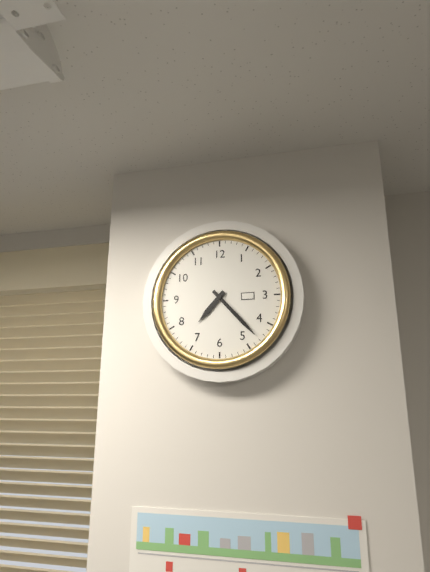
7:23
